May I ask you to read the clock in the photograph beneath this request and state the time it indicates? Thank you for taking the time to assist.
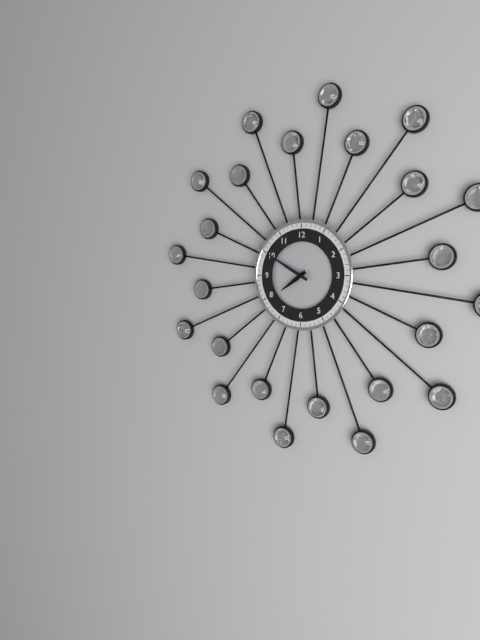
7:50
